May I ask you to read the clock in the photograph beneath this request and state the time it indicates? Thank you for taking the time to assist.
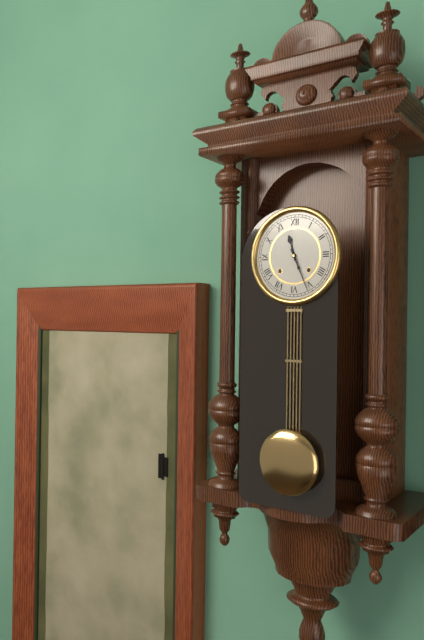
11:26
